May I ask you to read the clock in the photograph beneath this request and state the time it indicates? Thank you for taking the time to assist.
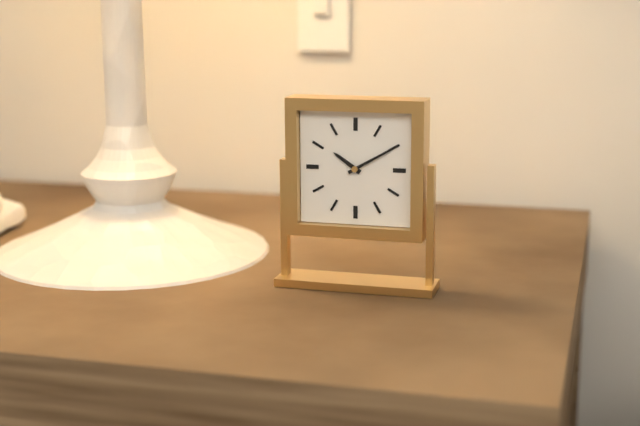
10:10
